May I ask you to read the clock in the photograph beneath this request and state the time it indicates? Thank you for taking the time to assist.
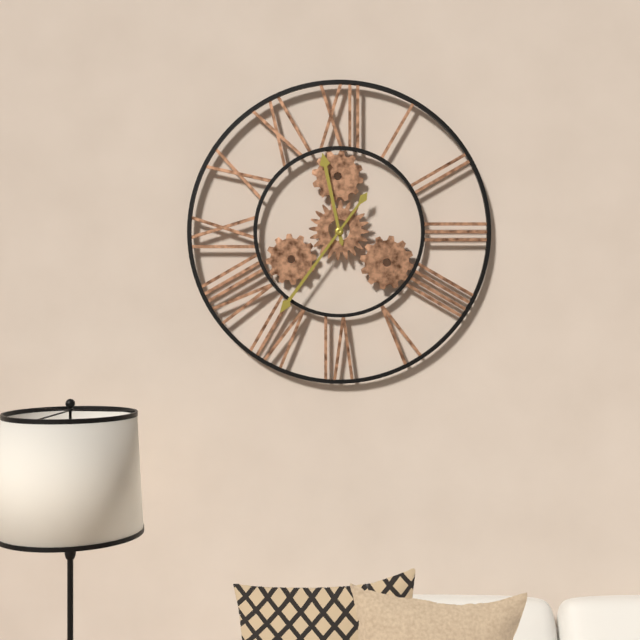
11:36
